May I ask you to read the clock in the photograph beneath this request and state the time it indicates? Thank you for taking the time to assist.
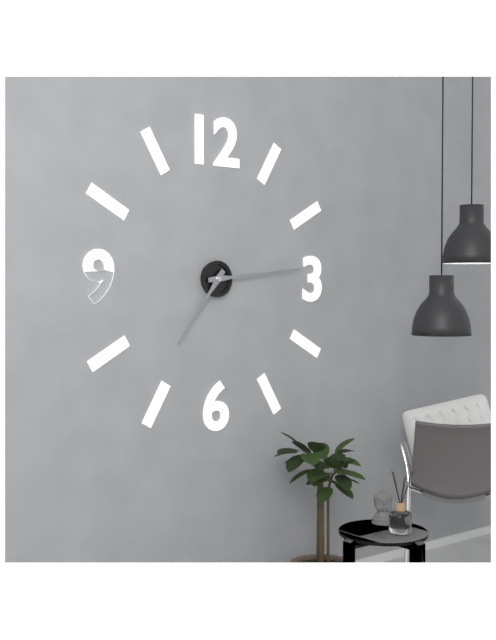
7:14
